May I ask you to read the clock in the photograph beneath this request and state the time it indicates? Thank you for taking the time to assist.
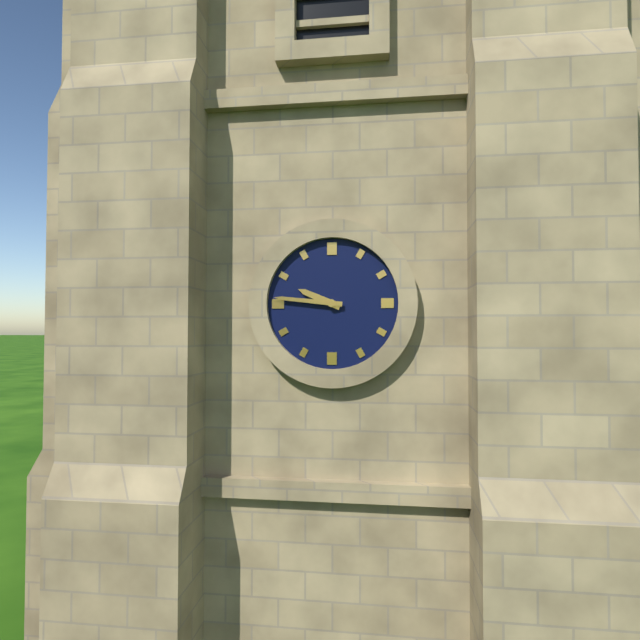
9:46
